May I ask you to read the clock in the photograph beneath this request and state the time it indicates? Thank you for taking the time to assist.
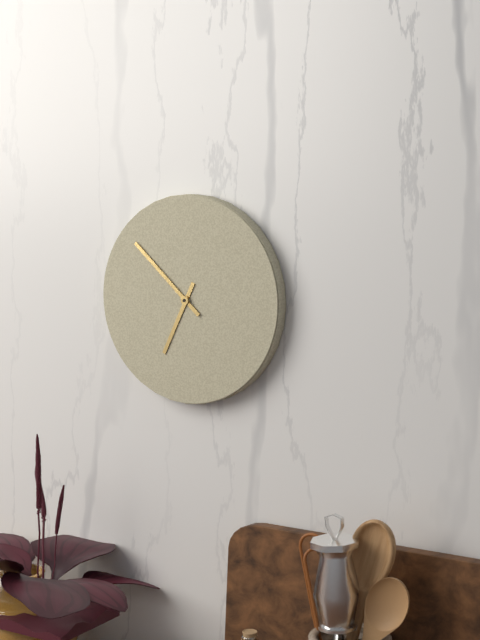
6:52
